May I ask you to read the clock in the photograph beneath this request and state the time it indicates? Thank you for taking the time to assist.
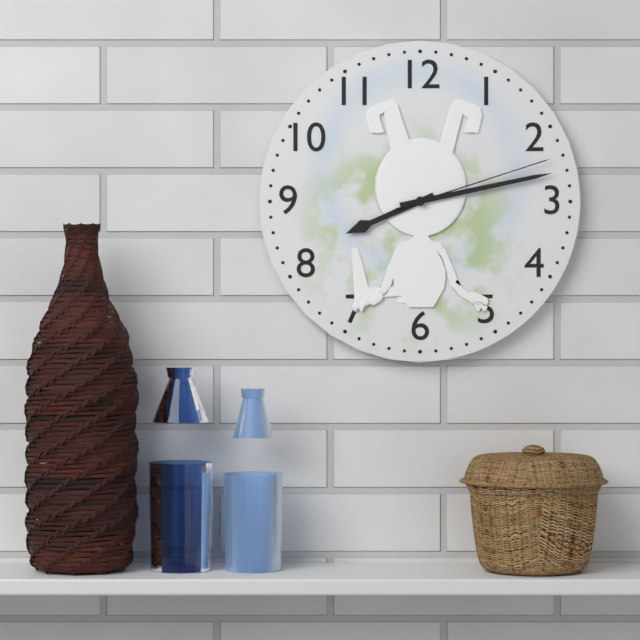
8:13:12
